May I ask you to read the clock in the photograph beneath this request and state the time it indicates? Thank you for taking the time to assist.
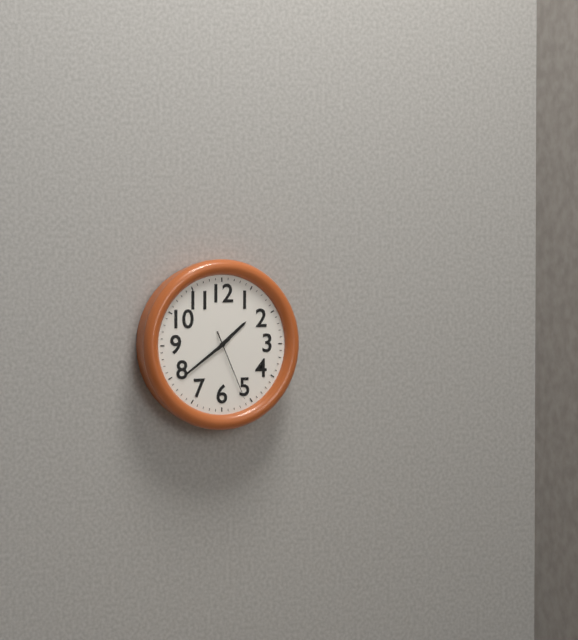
1:39:26
